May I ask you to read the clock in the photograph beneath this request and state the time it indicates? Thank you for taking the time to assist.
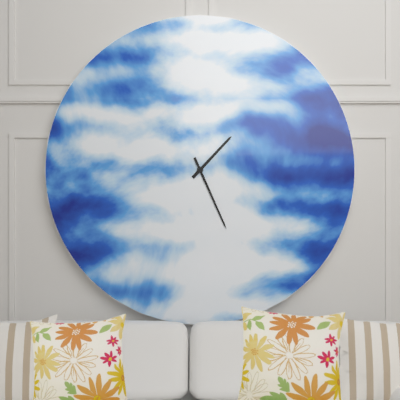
1:26
